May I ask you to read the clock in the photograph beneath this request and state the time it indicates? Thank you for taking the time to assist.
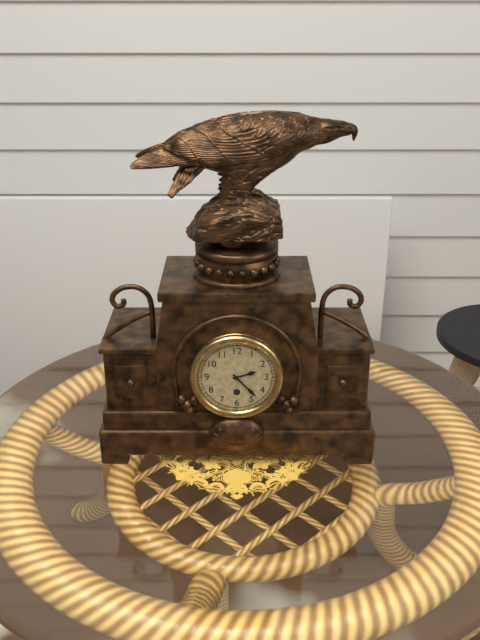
2:23
